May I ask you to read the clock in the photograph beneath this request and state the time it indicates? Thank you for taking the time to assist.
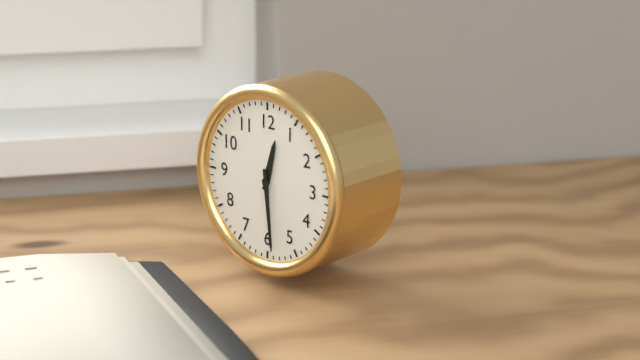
12:29
